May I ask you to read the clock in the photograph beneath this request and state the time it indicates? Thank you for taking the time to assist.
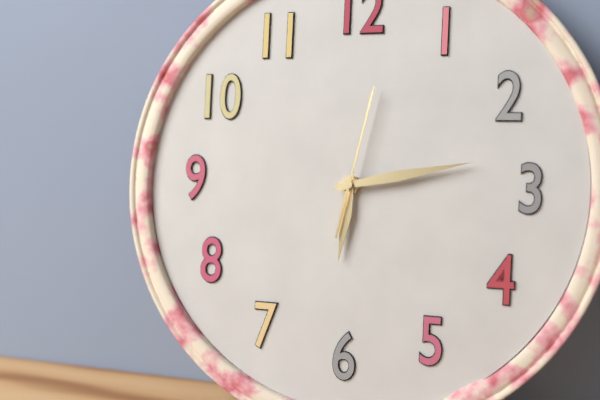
6:13:02
